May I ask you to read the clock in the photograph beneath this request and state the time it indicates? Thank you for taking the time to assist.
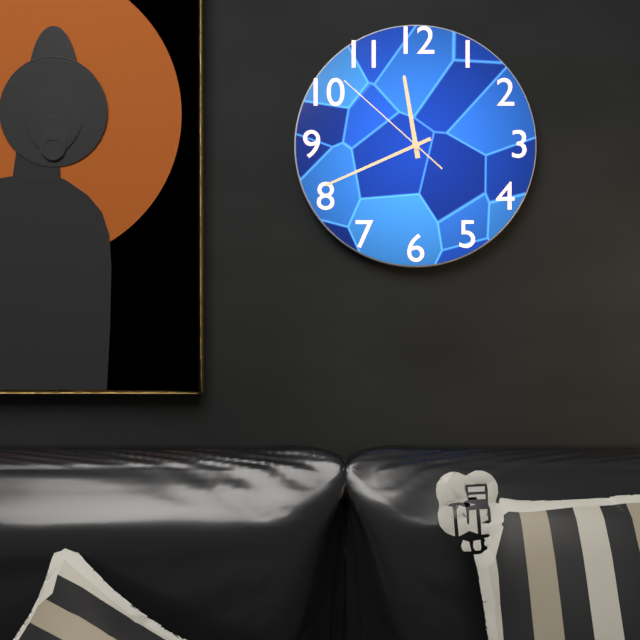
11:41:52
